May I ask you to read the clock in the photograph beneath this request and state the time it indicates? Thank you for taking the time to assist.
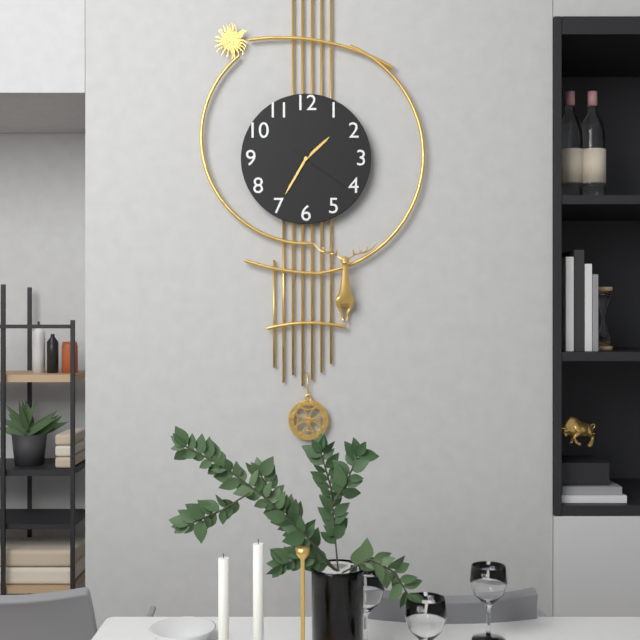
1:35:21
